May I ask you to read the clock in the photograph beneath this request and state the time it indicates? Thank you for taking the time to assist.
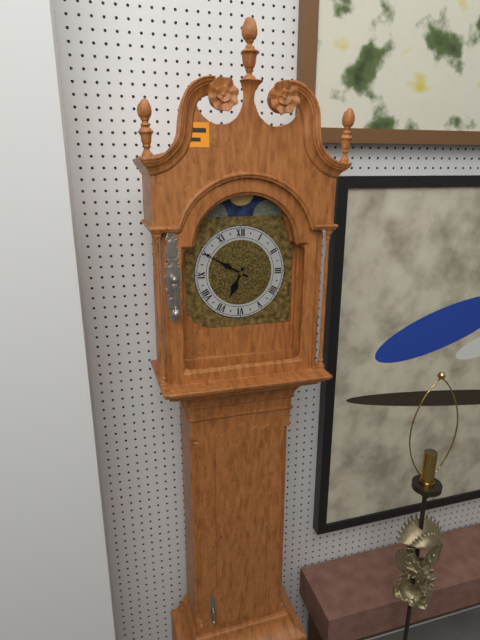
6:50
